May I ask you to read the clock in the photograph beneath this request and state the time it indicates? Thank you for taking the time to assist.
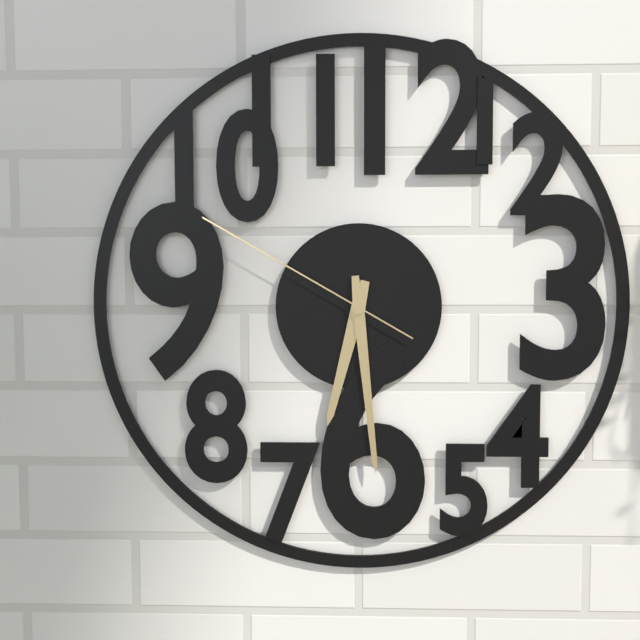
6:29:50
